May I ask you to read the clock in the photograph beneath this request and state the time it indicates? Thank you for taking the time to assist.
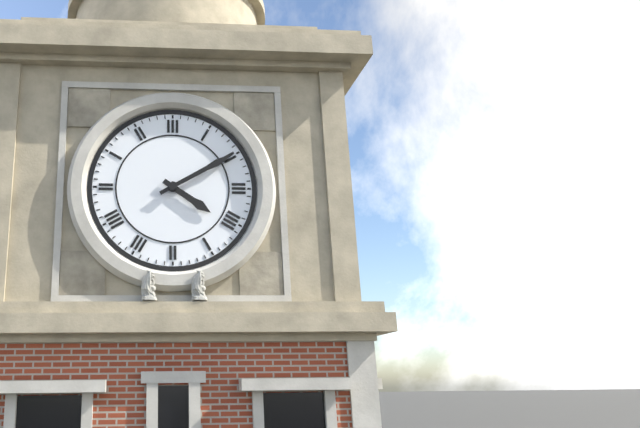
4:10
